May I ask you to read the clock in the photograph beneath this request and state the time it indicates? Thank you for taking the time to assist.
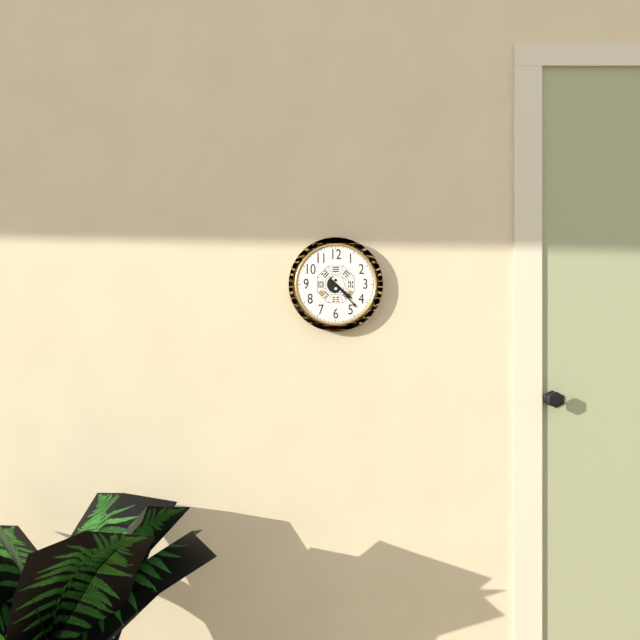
4:23
